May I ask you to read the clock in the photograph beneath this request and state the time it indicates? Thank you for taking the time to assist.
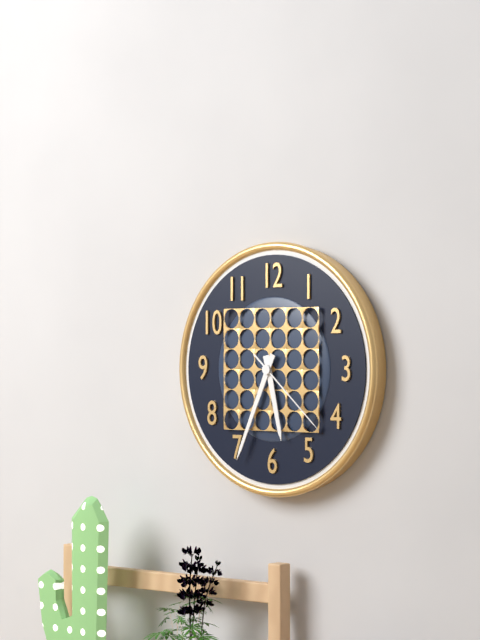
5:34:22
